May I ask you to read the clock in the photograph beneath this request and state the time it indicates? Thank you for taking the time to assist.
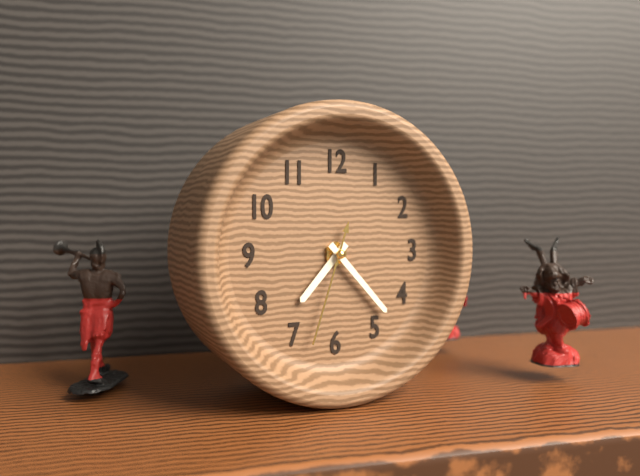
7:23:33
